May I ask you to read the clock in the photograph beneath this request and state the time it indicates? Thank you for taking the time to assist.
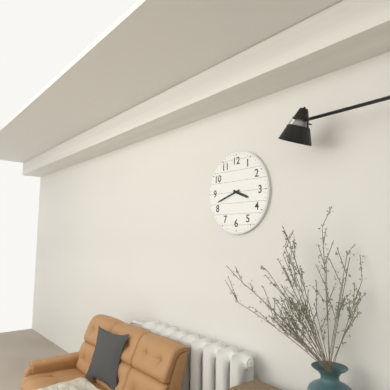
3:42
